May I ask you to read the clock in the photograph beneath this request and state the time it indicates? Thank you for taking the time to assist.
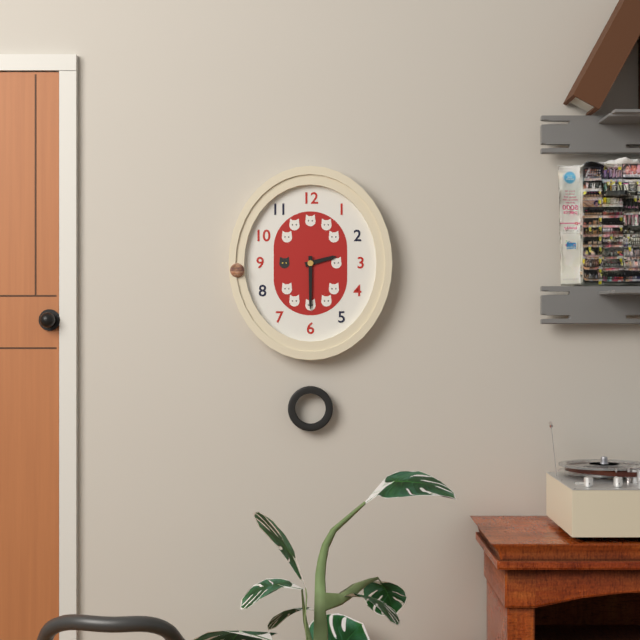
2:30
